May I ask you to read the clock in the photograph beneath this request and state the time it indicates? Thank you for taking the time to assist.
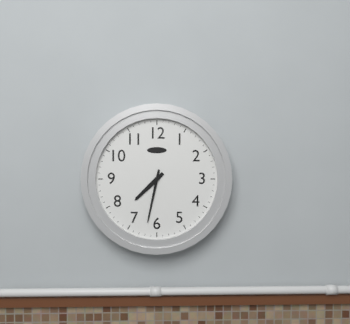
7:32
